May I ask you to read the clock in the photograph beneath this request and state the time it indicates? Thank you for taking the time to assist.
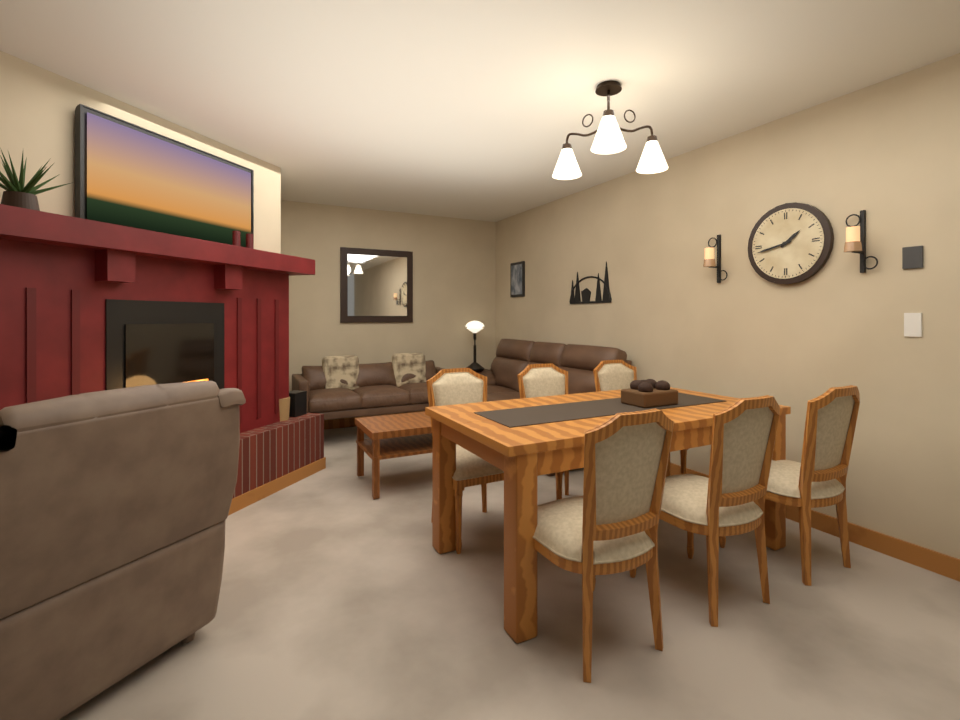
1:43
